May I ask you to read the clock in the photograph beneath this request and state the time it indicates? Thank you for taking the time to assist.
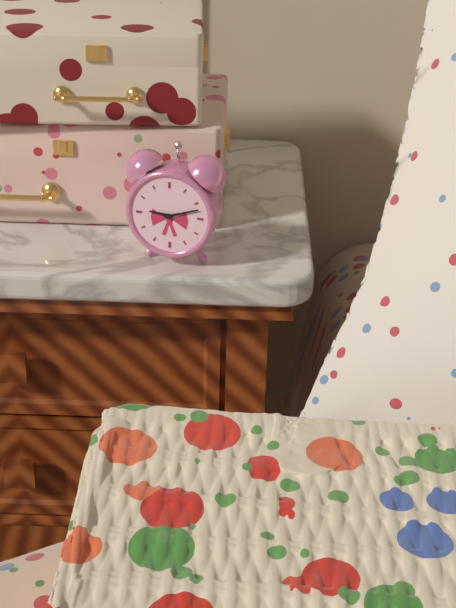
9:12
